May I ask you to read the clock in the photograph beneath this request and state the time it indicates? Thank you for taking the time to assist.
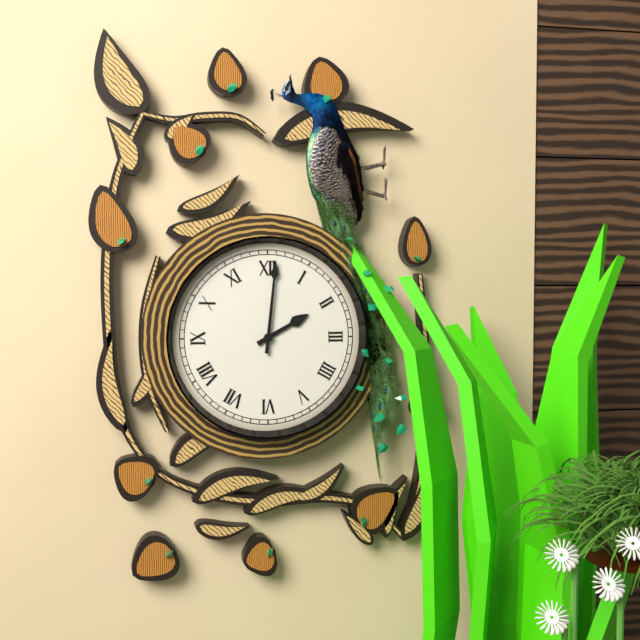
2:01
